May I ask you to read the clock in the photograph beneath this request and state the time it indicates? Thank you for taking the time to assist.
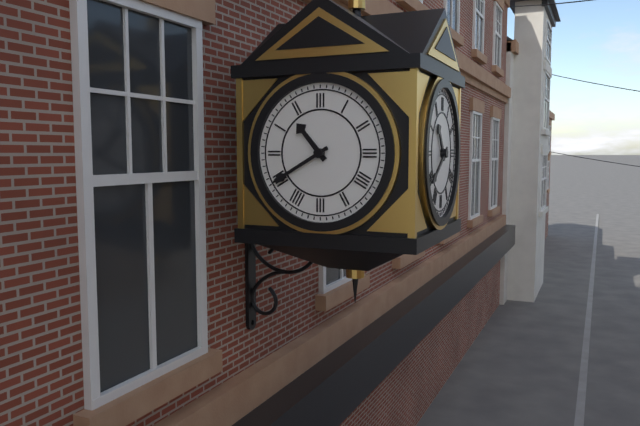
10:40
